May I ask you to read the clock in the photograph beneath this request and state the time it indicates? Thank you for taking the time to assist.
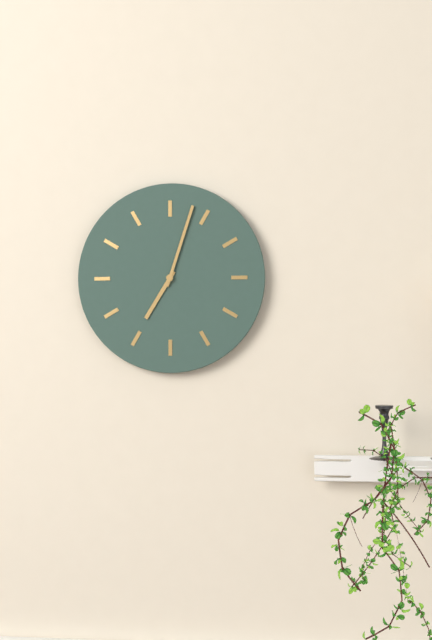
7:03
